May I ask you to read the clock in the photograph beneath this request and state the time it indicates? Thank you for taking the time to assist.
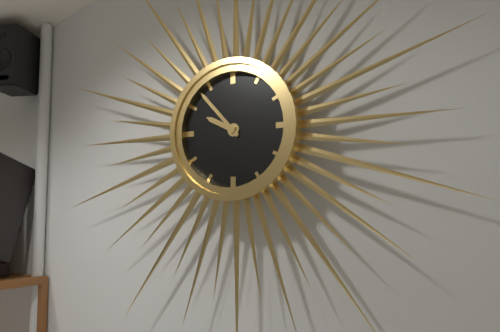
9:53
